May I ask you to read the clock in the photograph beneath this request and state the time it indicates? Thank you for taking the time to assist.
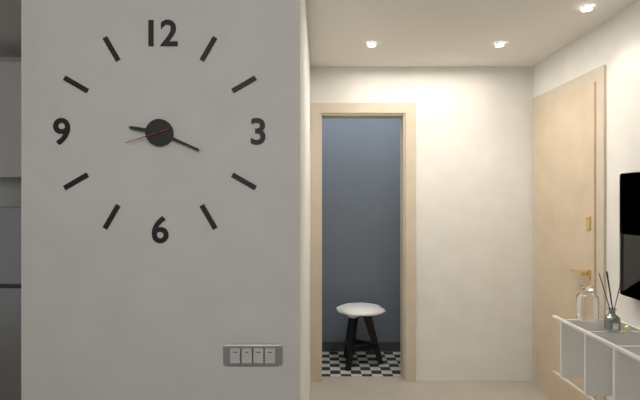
9:19
